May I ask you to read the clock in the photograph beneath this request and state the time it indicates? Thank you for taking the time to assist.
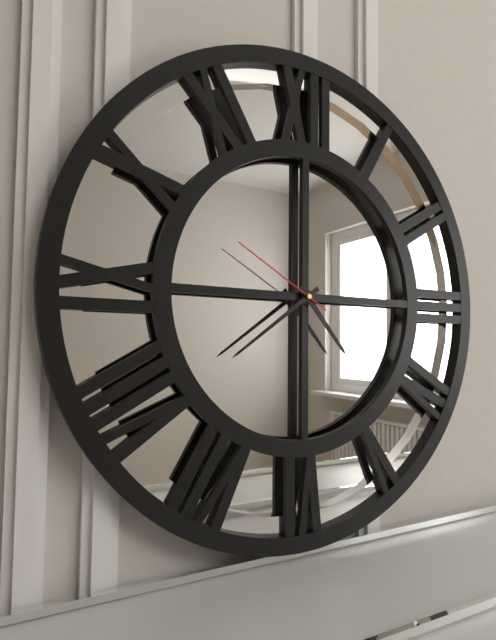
4:39:50
